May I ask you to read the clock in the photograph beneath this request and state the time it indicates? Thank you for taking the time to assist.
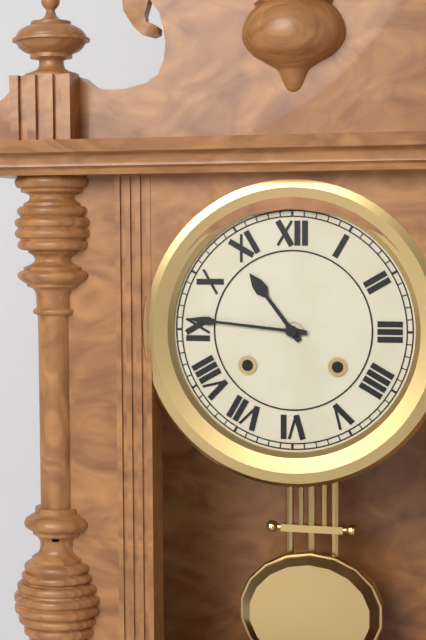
10:46
